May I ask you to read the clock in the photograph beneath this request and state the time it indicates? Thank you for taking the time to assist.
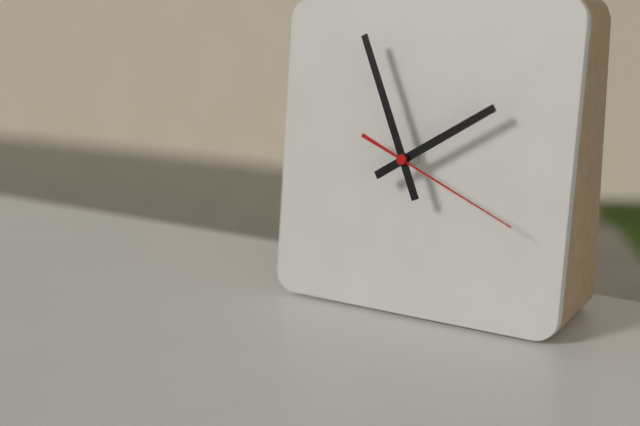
1:56:19
